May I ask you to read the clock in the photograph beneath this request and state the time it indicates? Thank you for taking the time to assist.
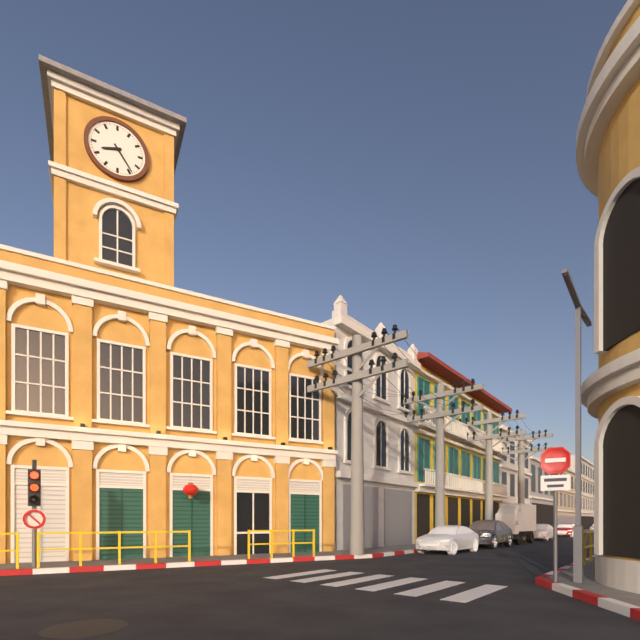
8:24
